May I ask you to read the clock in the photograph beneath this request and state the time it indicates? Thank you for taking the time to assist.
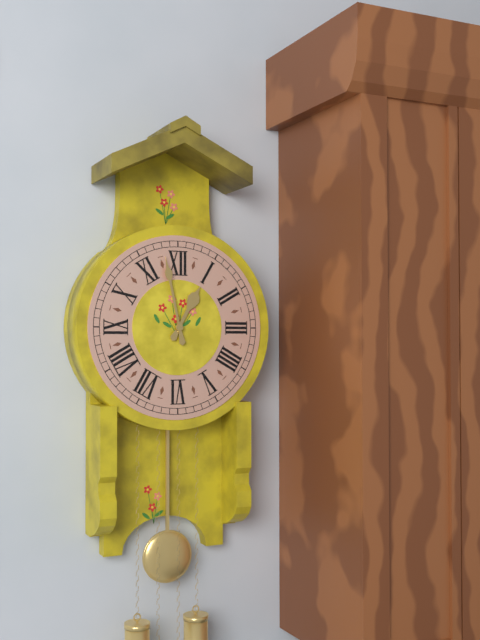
12:58
